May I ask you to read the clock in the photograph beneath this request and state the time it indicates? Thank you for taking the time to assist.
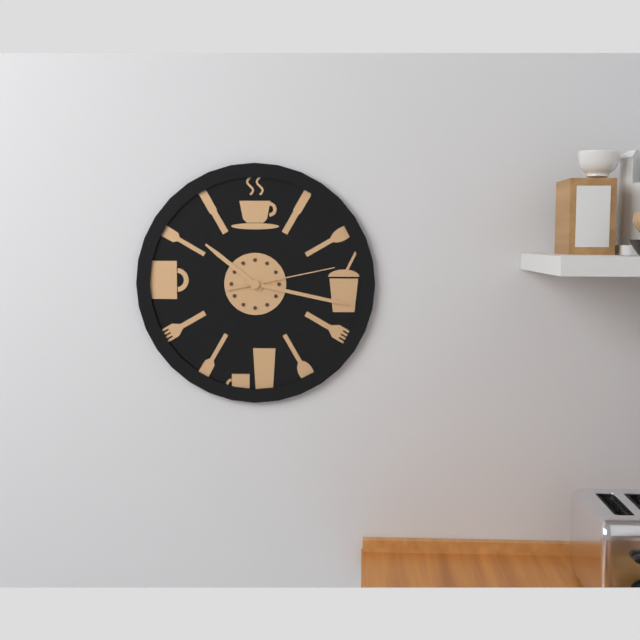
10:17:13
